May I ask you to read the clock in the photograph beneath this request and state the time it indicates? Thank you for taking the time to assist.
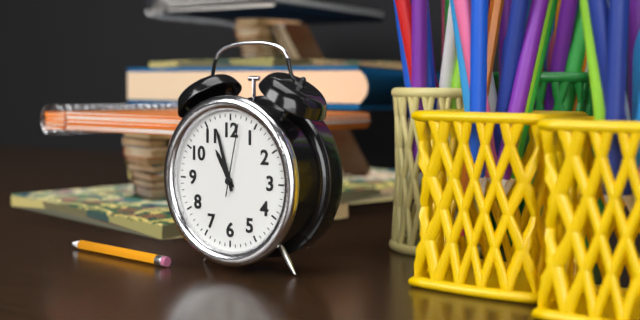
10:57:02
